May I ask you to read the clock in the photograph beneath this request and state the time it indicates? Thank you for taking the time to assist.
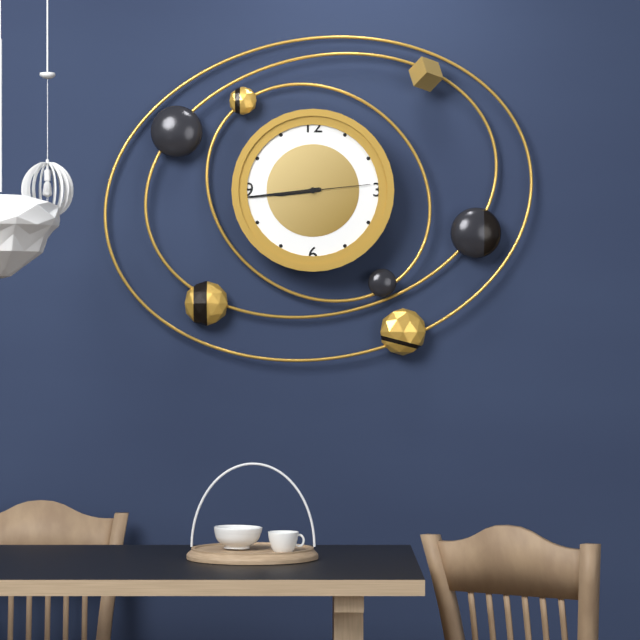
8:44:14
